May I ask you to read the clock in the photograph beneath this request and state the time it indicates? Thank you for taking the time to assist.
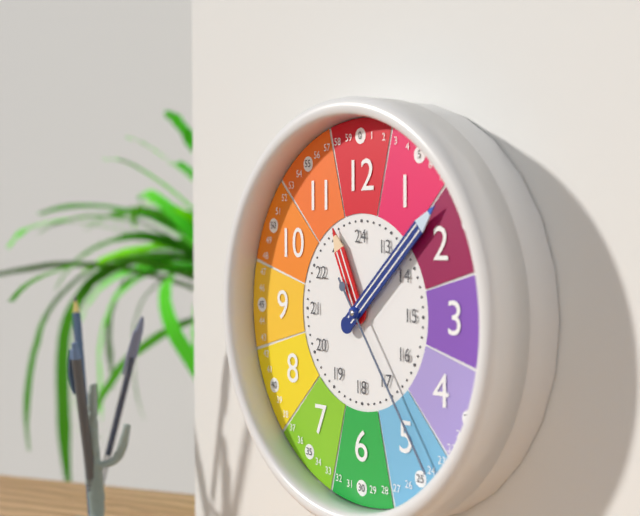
11:08:24
